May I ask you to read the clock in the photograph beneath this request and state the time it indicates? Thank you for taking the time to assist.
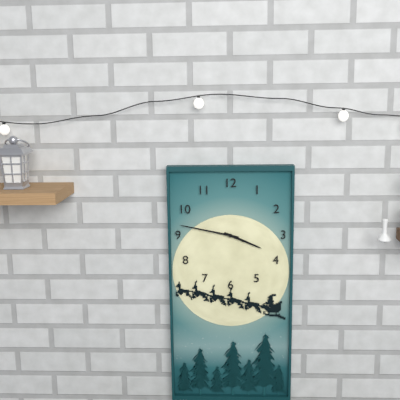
3:47
